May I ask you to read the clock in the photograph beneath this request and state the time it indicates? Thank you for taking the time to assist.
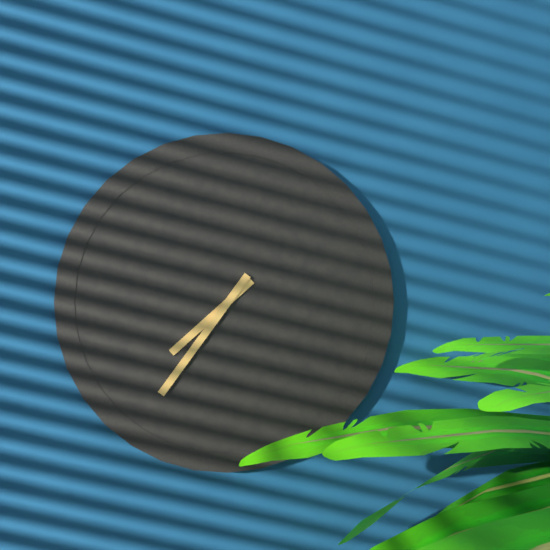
7:36
